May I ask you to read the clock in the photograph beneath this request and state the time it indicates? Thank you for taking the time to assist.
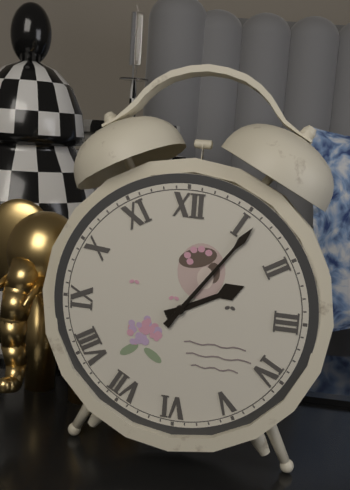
2:06
